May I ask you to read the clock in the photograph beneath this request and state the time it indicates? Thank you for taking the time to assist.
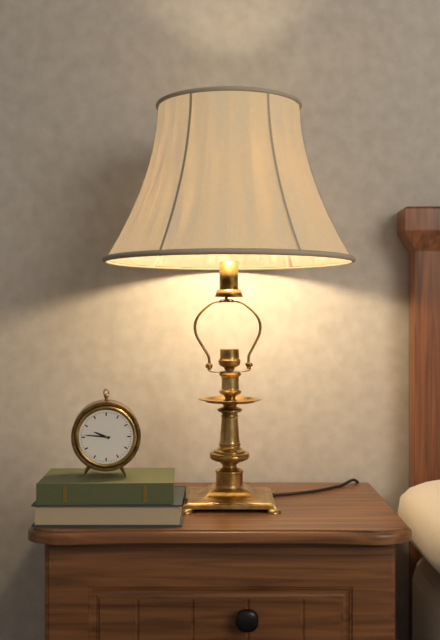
9:46
